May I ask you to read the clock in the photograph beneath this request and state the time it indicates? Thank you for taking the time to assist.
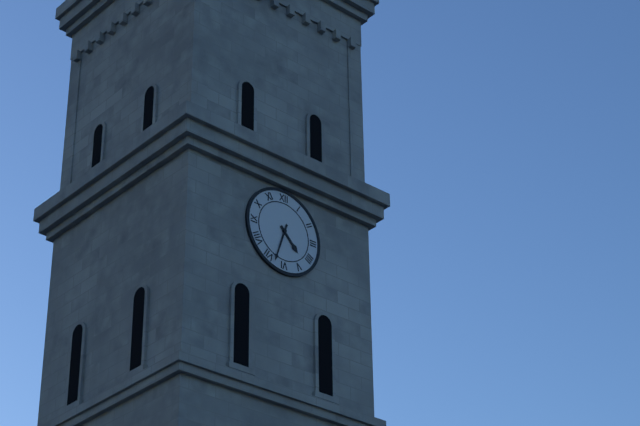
4:33
